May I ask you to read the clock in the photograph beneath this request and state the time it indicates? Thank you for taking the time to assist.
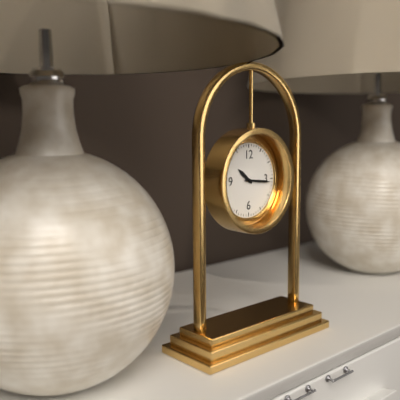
10:16
